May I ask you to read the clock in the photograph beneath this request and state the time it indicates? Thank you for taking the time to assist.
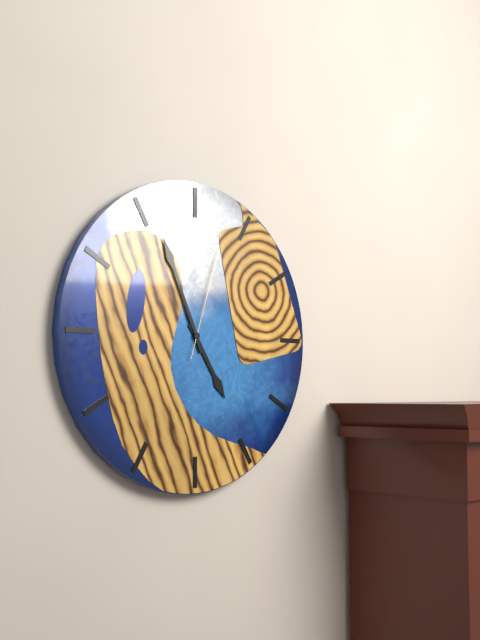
4:56:03
